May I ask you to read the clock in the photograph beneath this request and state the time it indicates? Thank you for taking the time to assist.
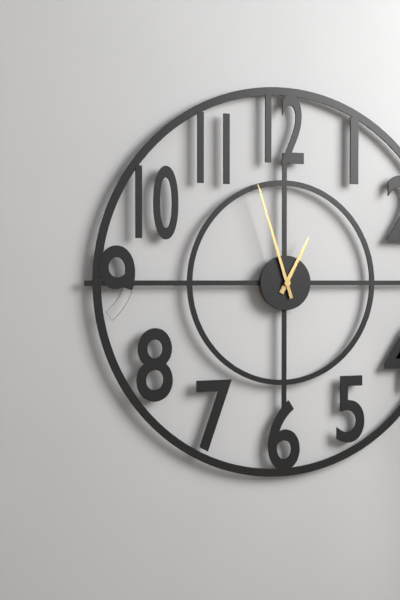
12:57
